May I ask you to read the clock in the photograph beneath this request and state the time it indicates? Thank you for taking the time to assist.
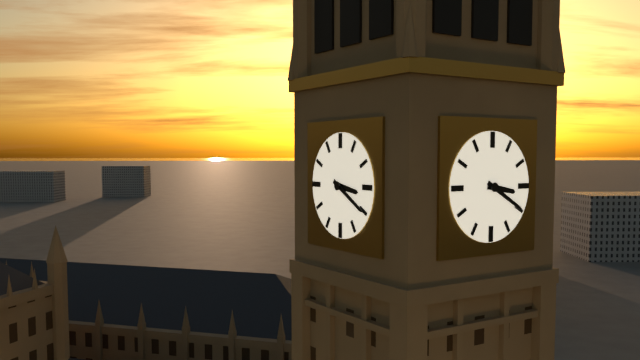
3:20
